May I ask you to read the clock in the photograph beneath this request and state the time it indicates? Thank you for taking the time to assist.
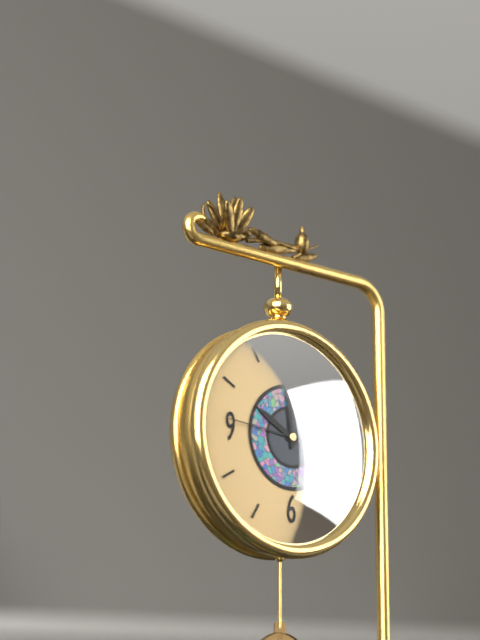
9:59:46
